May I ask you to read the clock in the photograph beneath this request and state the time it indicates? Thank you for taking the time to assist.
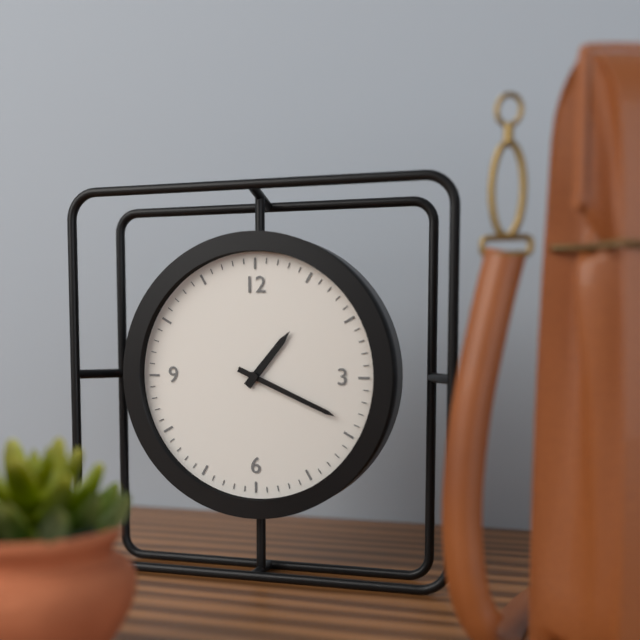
1:19
